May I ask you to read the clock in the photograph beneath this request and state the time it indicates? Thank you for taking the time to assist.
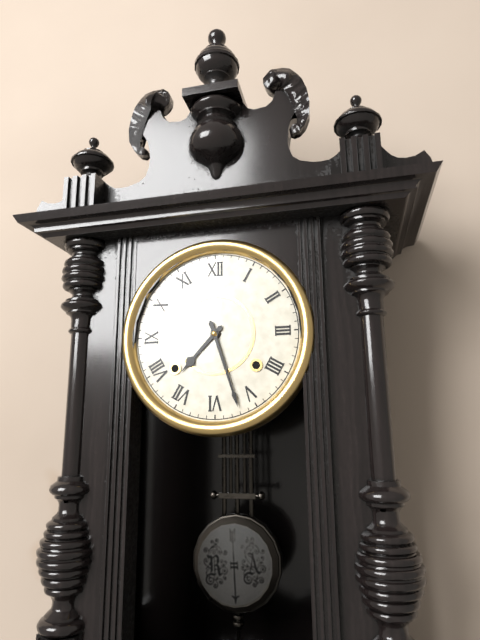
7:27
